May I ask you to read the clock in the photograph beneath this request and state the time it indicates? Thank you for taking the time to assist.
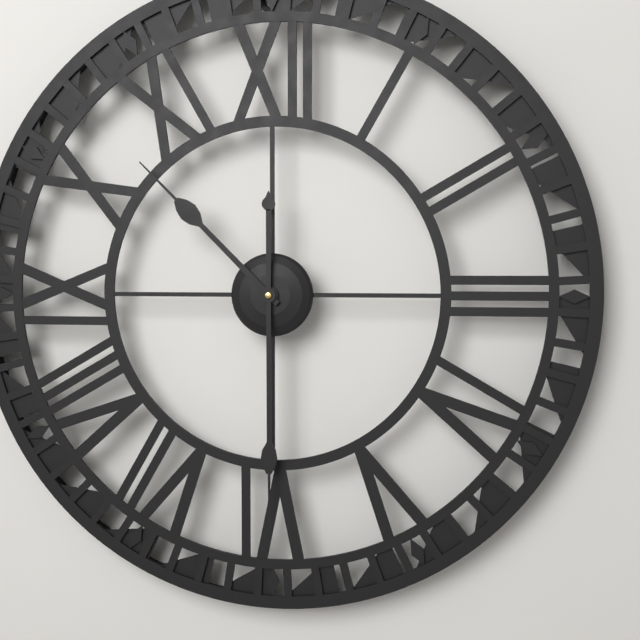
10:30
